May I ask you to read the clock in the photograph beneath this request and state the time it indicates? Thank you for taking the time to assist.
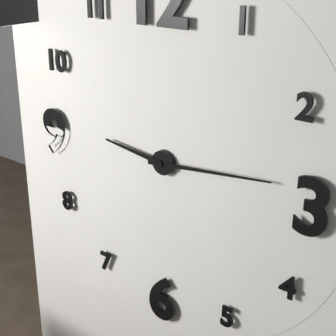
9:14
